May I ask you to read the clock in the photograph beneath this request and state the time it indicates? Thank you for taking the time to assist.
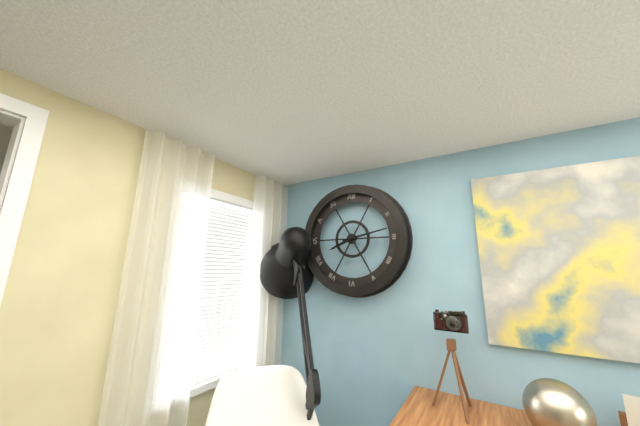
8:13
